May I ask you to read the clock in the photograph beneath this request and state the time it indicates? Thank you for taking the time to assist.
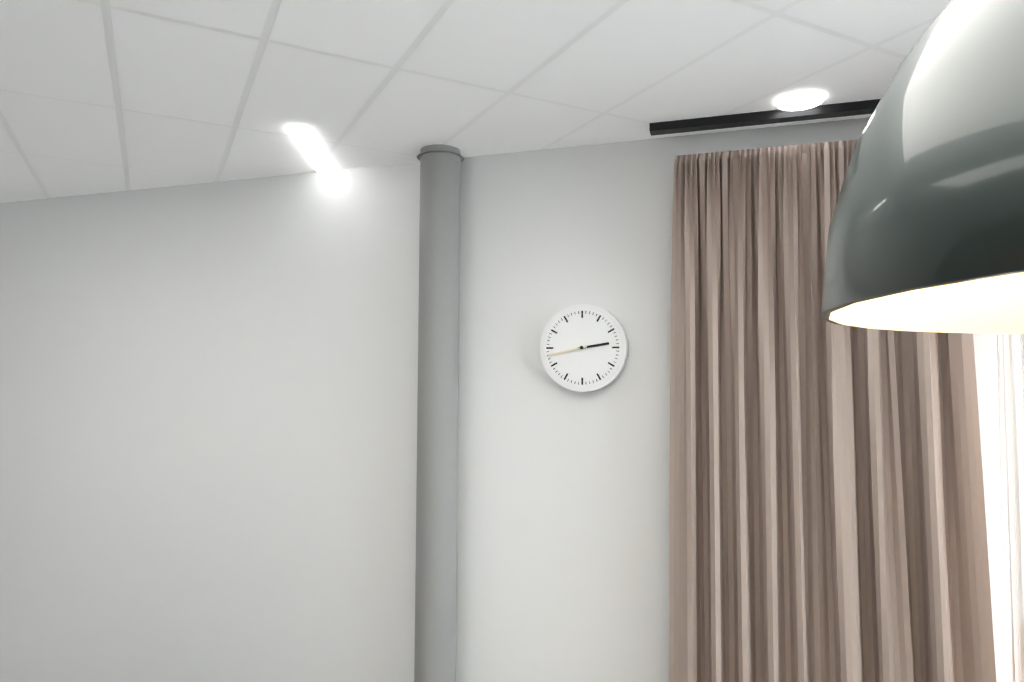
2:43
